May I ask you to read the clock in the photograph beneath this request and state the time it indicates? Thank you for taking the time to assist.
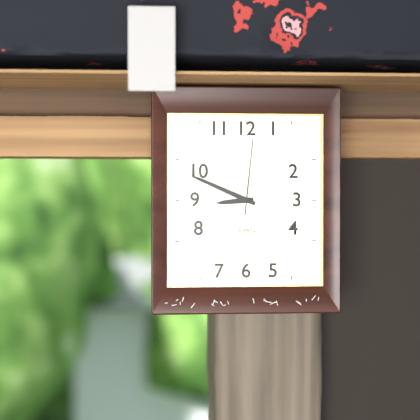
8:49:01
